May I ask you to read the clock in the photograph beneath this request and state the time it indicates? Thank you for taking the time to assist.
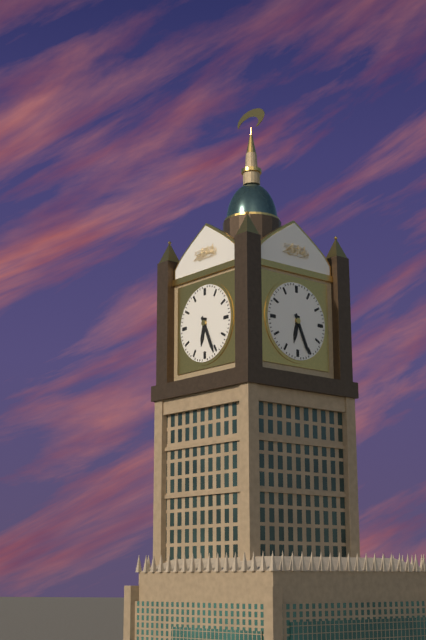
6:26
